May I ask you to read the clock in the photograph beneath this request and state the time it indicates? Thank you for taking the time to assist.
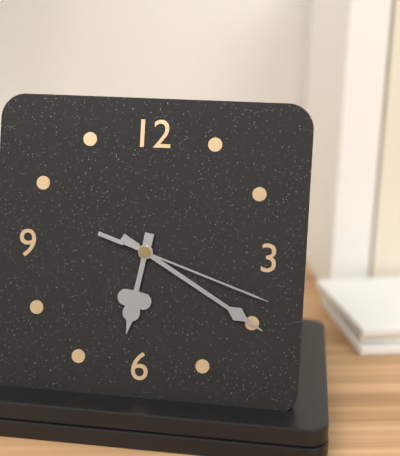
6:20:18
